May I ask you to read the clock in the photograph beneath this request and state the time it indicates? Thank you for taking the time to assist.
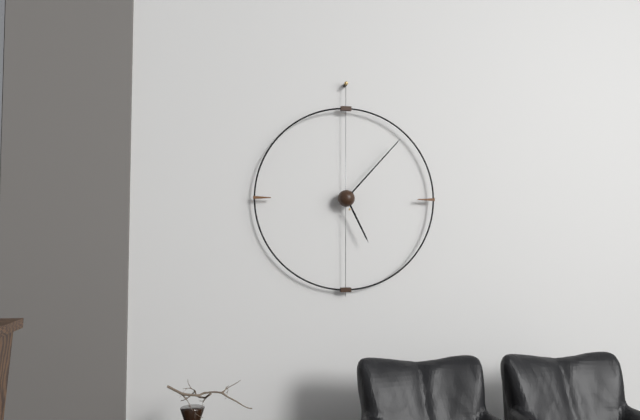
5:07
